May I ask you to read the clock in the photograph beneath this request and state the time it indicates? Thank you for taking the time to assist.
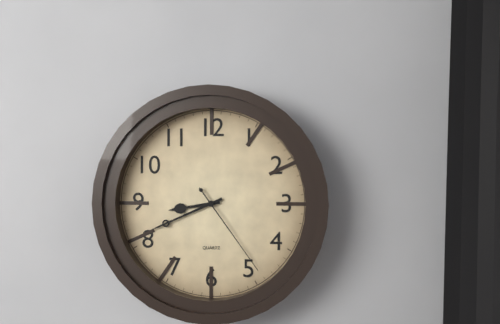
8:41:24
